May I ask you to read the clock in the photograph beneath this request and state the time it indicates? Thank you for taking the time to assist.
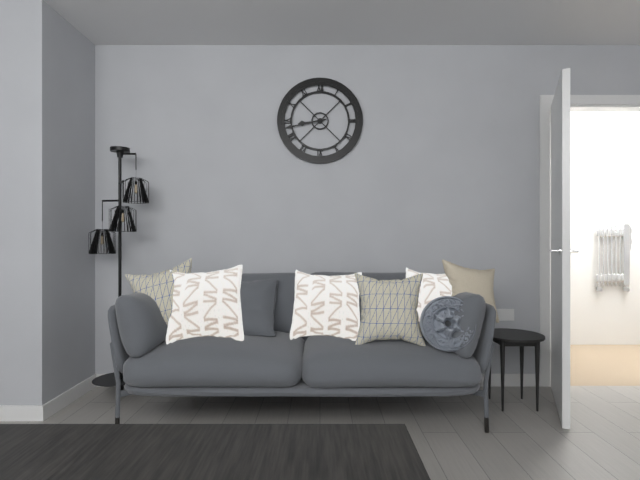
8:43
